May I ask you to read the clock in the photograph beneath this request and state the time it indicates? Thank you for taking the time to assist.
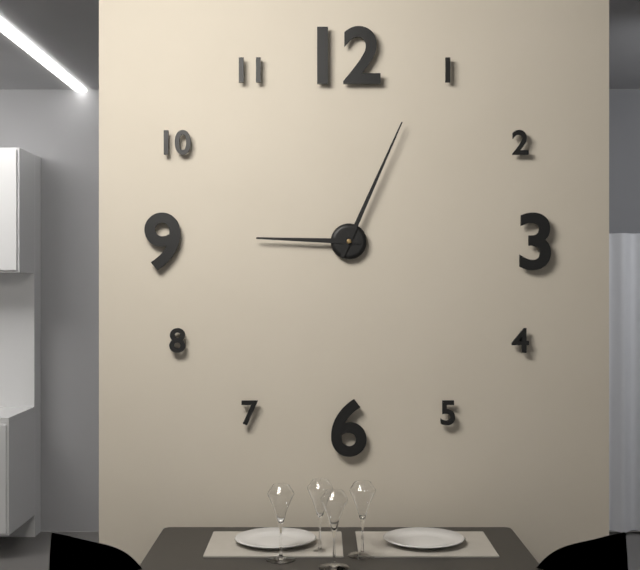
9:04
